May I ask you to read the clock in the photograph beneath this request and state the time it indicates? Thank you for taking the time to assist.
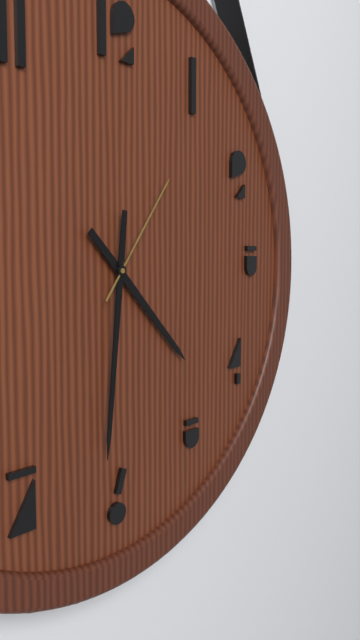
4:31:06
